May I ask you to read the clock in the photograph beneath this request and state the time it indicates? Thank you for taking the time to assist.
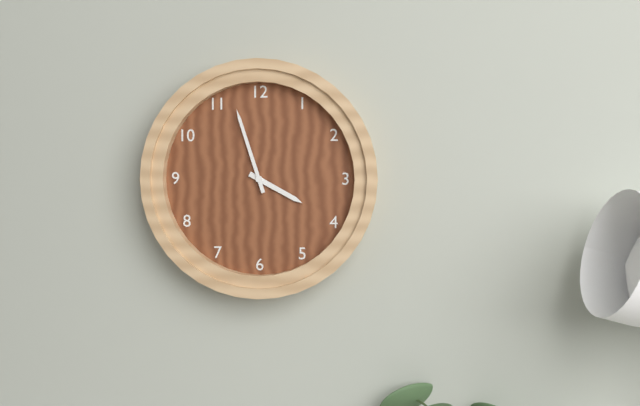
3:57
